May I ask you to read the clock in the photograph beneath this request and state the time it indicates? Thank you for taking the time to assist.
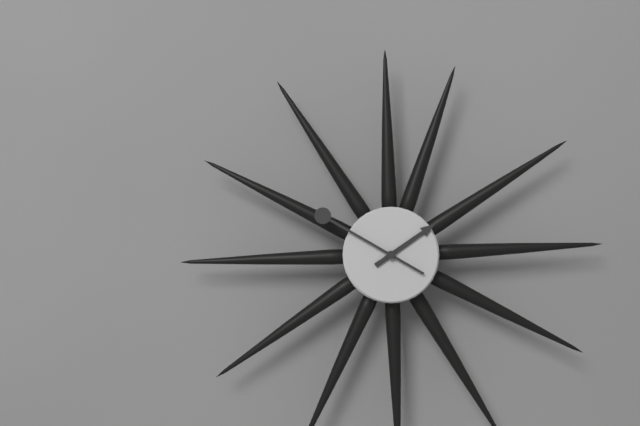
1:50
